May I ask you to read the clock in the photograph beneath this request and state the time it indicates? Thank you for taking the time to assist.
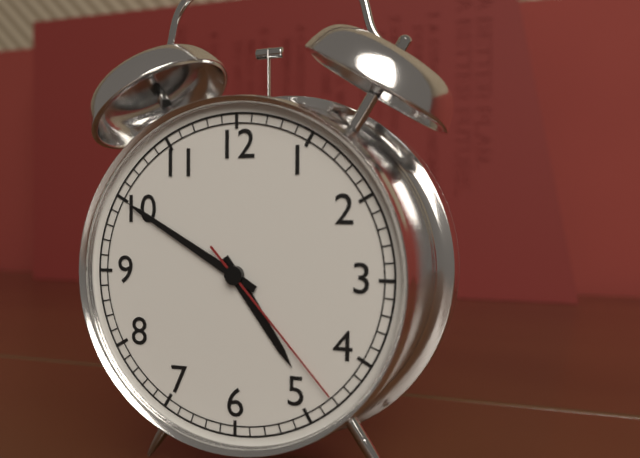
4:50:23
